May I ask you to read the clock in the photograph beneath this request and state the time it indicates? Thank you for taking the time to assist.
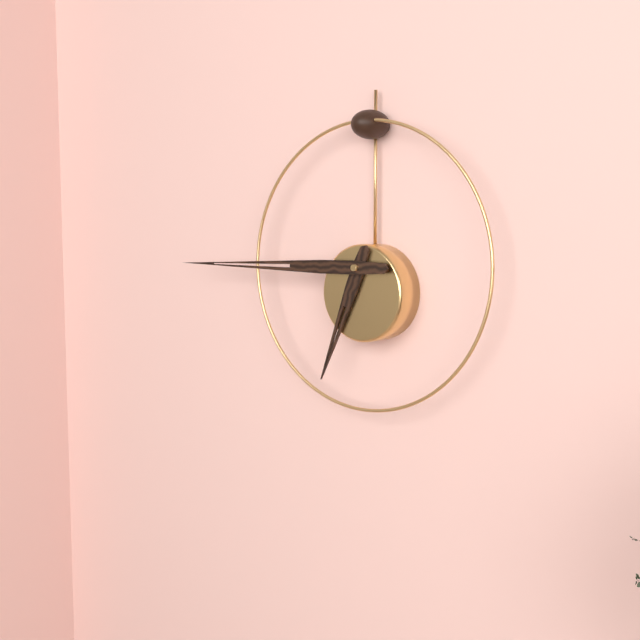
6:45
